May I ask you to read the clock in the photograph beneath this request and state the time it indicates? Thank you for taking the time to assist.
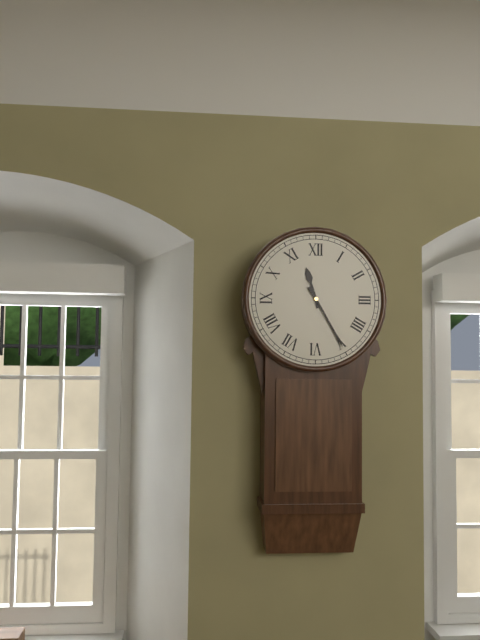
11:25
